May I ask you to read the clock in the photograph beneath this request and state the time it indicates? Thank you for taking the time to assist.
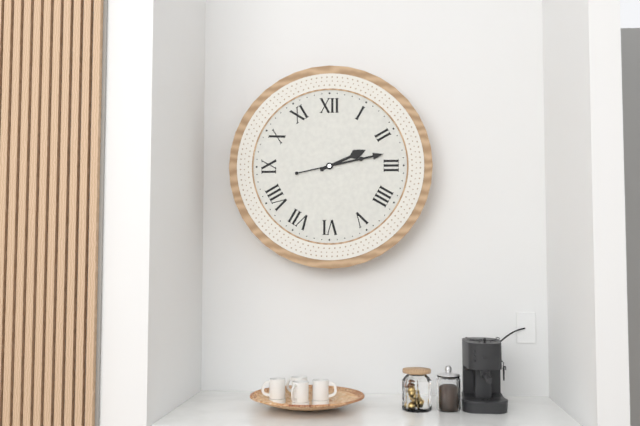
2:13
